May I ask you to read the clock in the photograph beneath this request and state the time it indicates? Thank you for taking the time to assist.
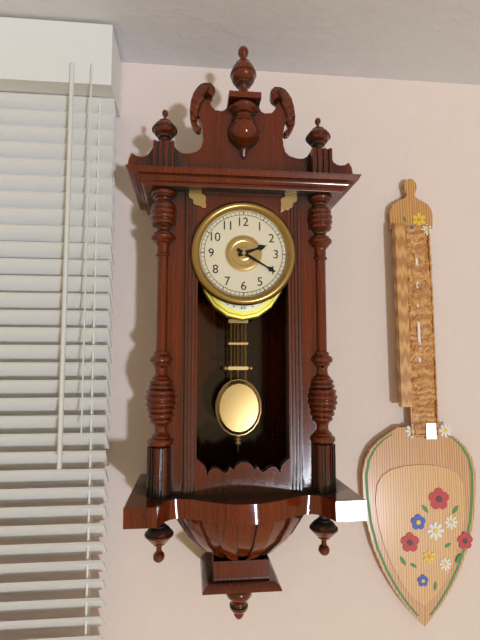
2:20
